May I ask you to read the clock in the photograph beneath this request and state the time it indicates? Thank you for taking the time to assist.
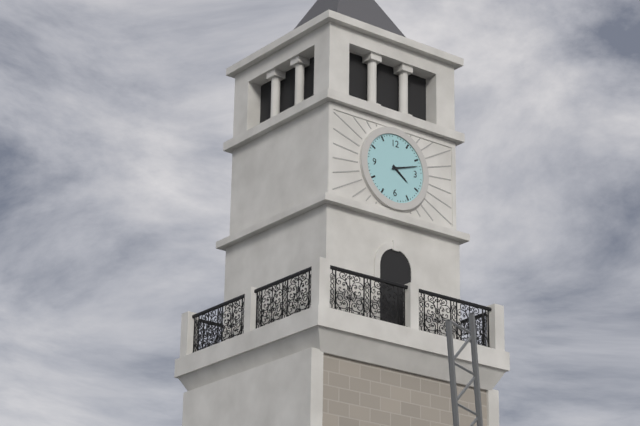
4:12
